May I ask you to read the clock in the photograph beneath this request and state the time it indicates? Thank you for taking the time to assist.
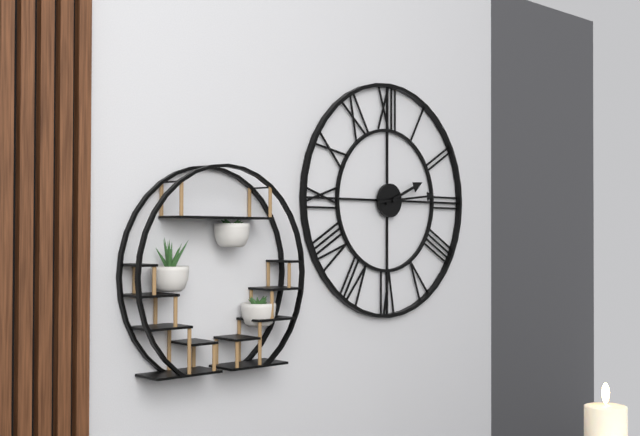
2:14
